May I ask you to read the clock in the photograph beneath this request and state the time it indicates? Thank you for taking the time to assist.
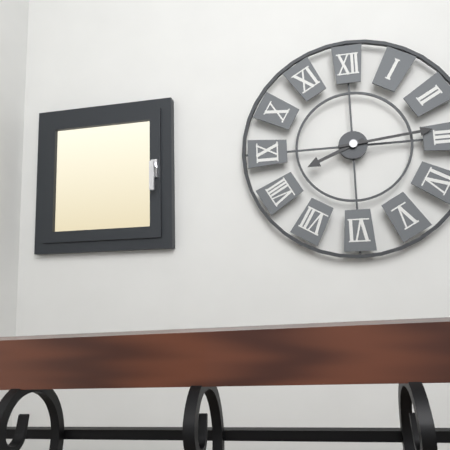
8:14
